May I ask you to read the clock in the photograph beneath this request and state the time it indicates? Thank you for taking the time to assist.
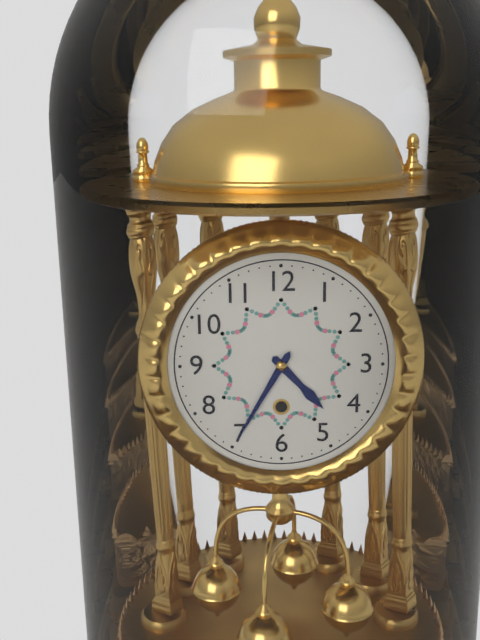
4:35
